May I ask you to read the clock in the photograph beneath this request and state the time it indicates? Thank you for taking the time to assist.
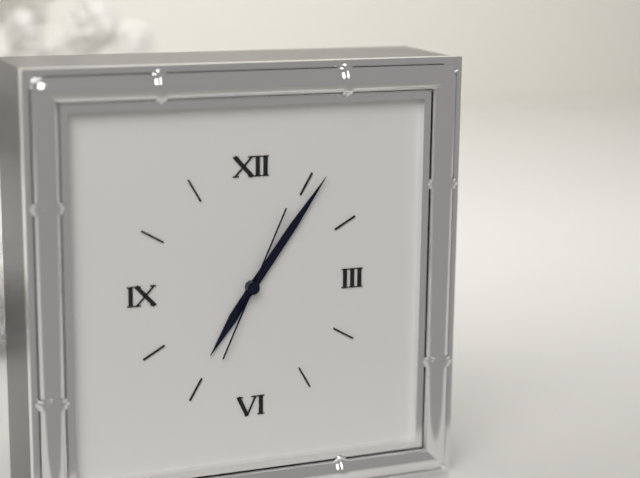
7:06:04
